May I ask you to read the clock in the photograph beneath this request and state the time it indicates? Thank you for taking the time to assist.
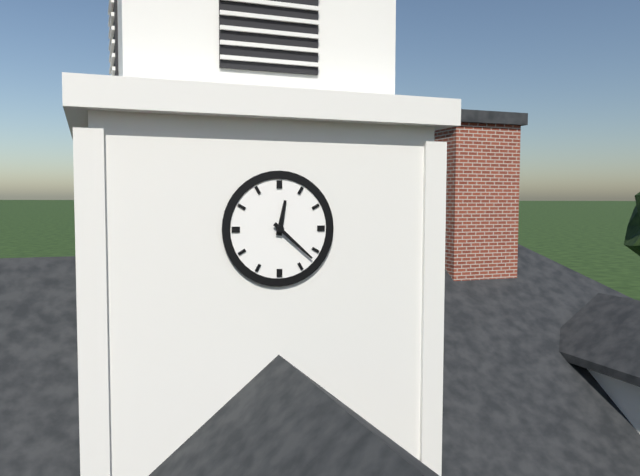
12:22
